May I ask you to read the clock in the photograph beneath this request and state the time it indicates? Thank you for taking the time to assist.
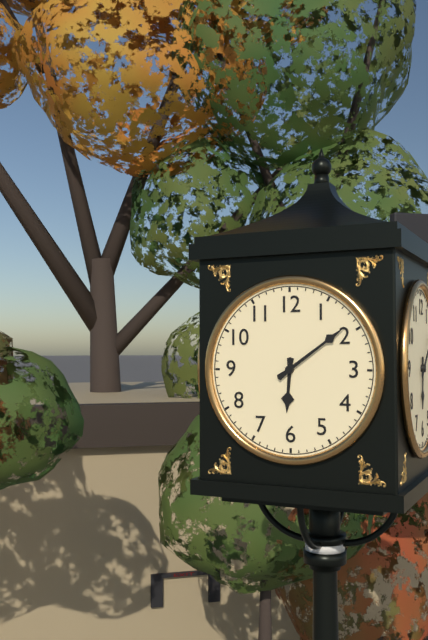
6:09
